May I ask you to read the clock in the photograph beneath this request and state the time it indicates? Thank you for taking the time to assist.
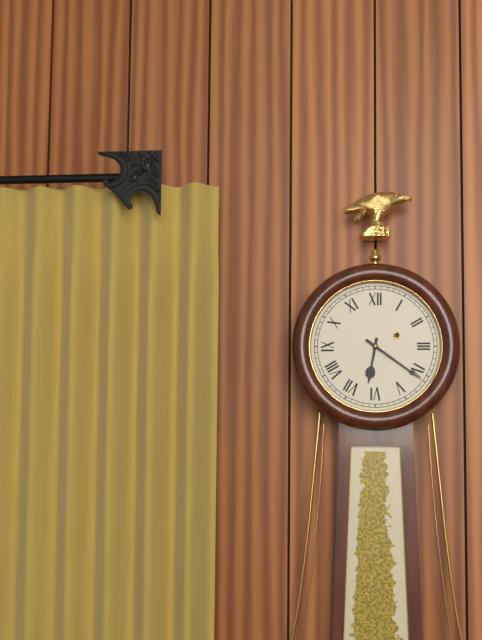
6:21
